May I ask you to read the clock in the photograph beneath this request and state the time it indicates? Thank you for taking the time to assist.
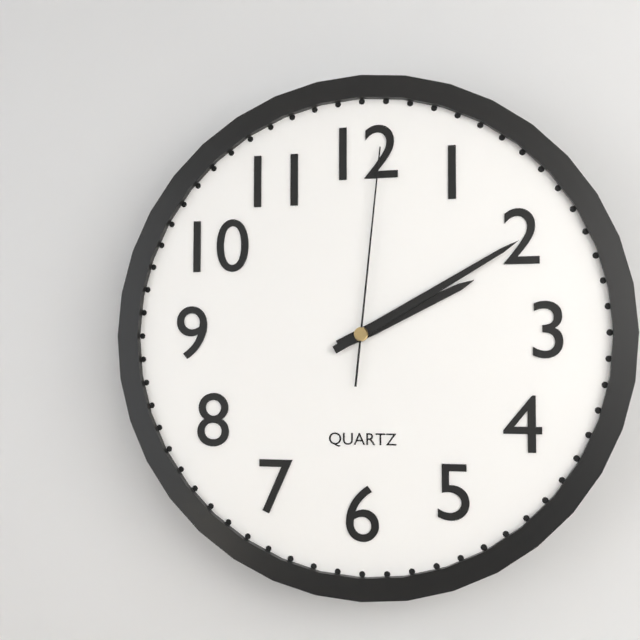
2:10:01
